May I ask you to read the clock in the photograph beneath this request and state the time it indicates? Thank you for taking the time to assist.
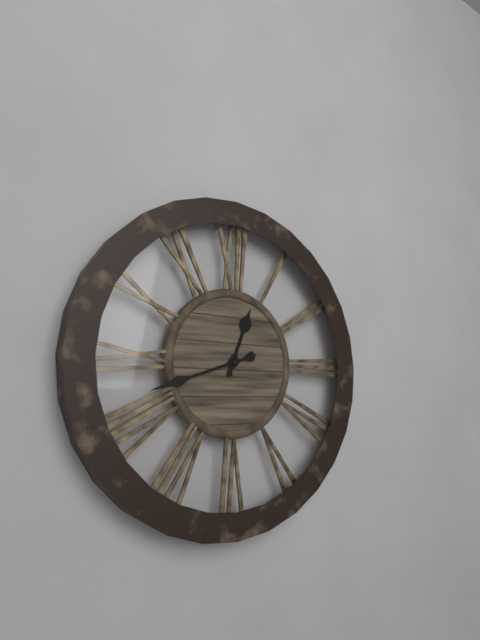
12:42
